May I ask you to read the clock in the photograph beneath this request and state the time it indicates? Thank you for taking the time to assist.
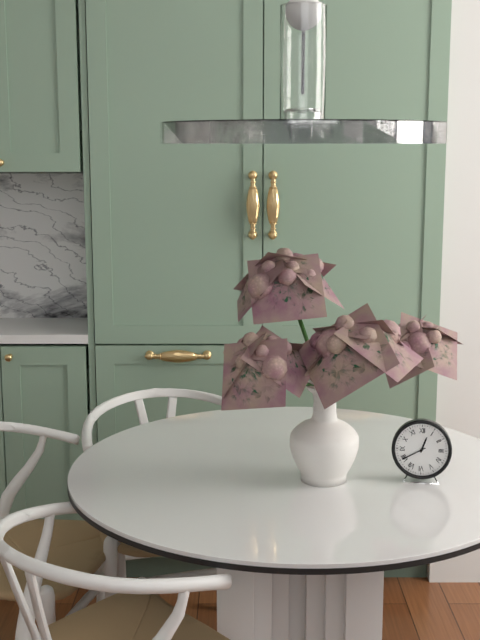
12:40
